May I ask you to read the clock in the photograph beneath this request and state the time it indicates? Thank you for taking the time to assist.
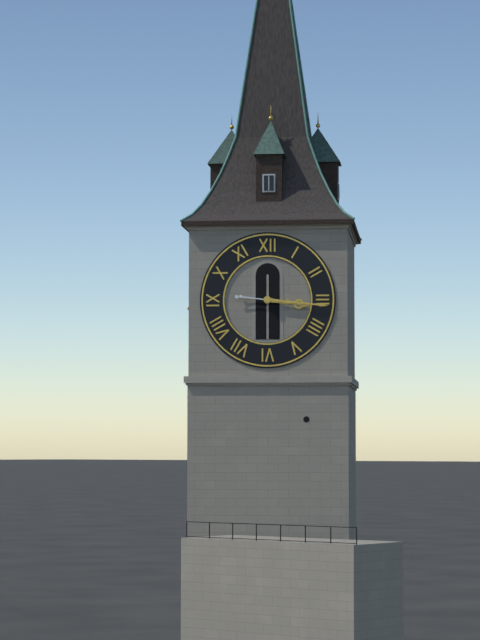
3:16
